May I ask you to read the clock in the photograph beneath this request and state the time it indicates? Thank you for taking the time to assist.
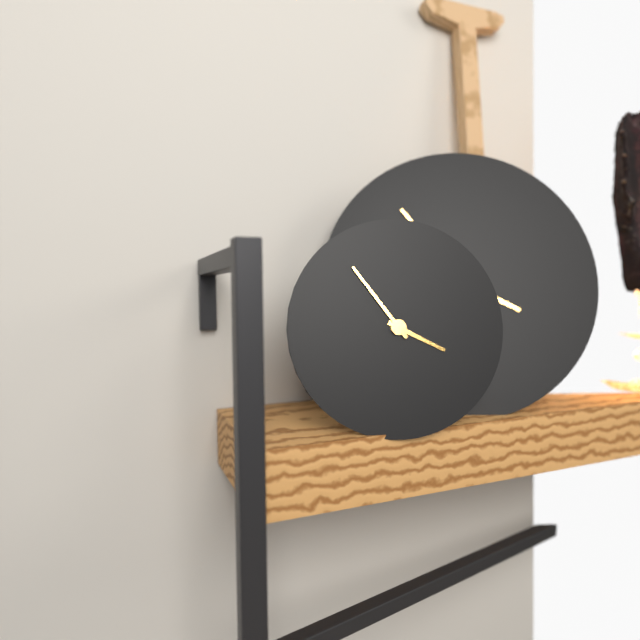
3:54
